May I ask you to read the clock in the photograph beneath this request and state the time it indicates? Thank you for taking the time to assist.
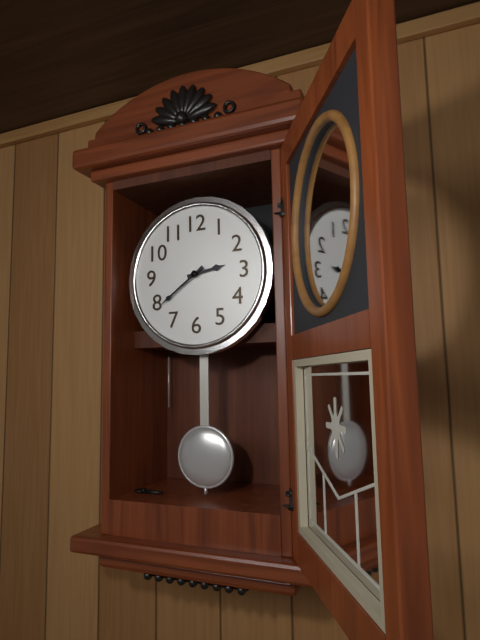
2:39
